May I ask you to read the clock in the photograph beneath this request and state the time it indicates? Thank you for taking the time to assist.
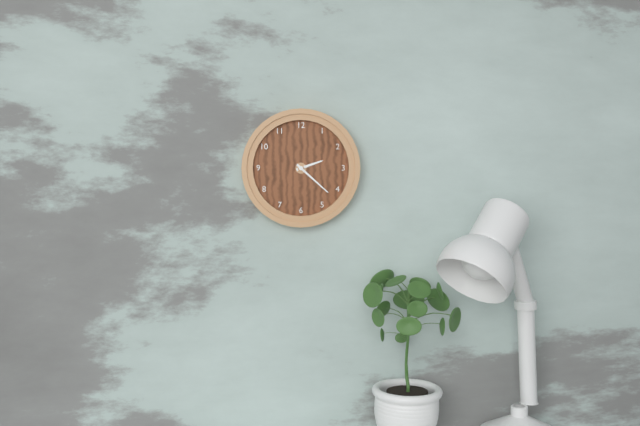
2:22
